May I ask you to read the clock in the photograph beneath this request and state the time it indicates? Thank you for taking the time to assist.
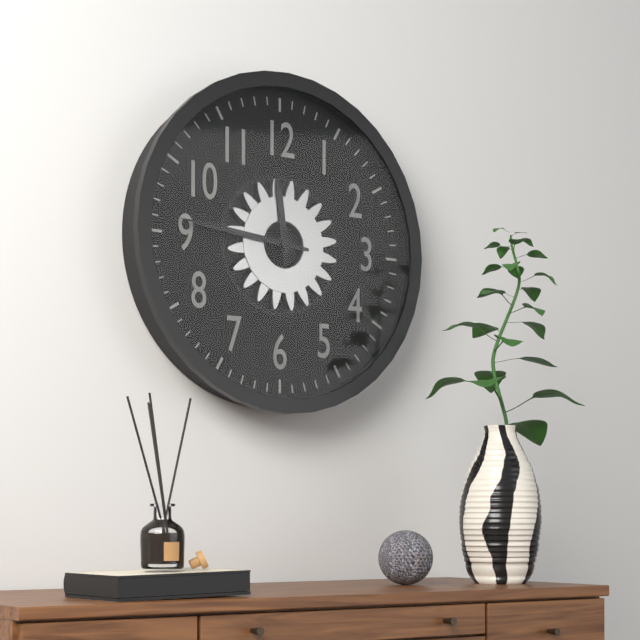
11:46
